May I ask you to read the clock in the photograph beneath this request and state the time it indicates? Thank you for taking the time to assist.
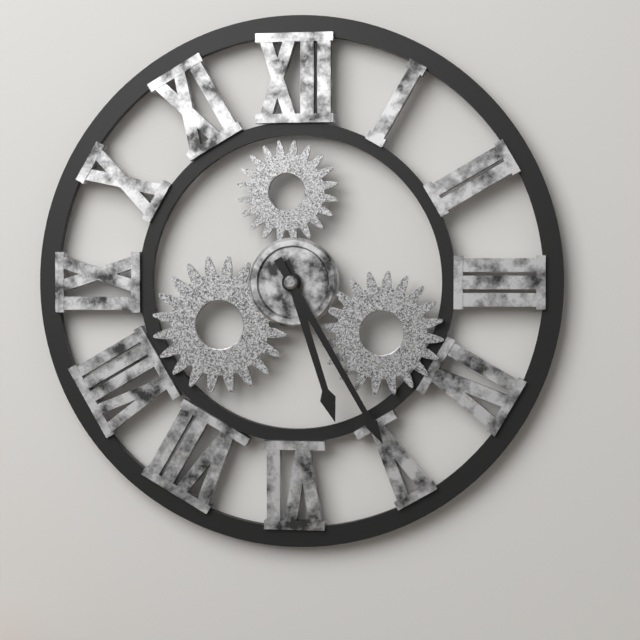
5:25
